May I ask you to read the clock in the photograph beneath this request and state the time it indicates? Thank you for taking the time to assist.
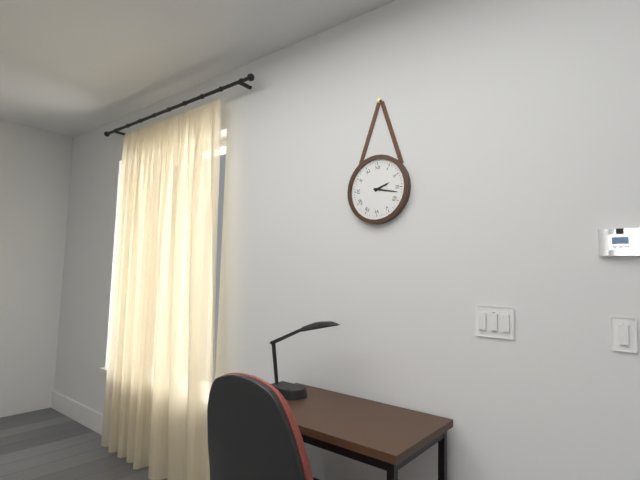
2:17
